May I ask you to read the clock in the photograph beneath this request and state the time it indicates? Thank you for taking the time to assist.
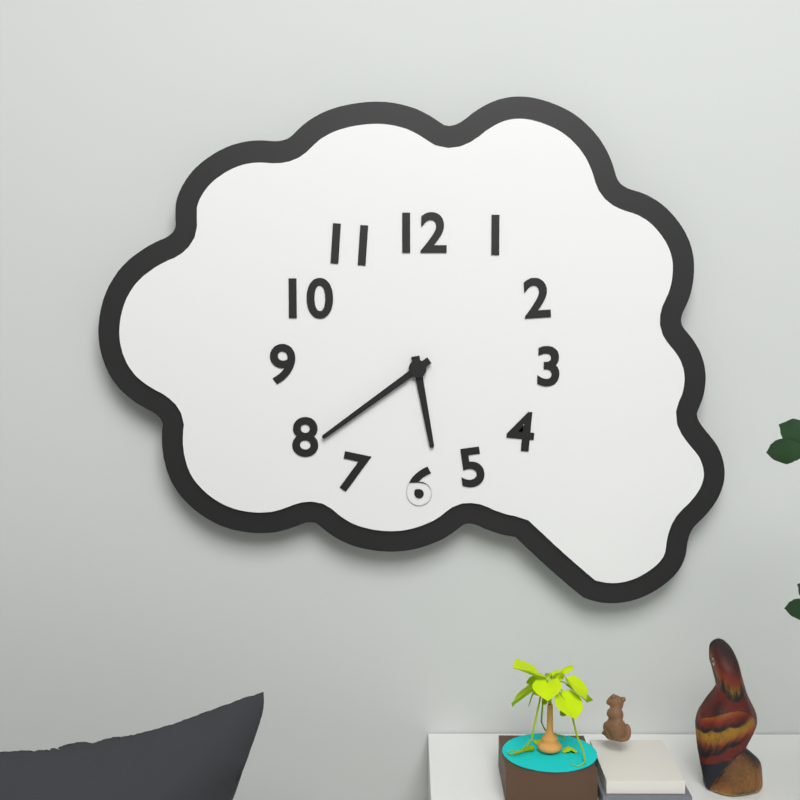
5:39
